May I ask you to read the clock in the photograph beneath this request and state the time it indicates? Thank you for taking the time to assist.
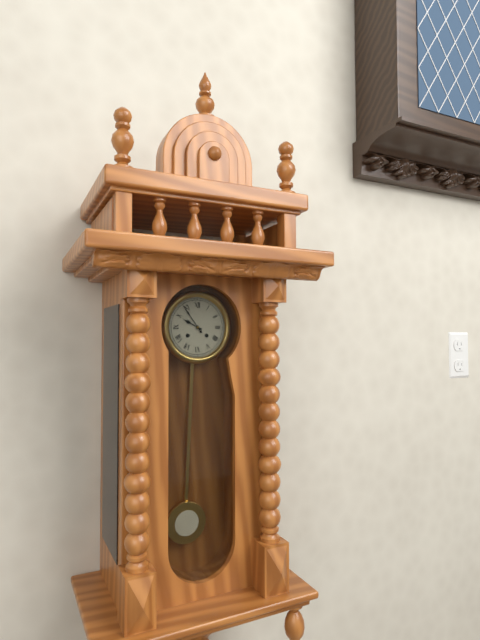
9:54
